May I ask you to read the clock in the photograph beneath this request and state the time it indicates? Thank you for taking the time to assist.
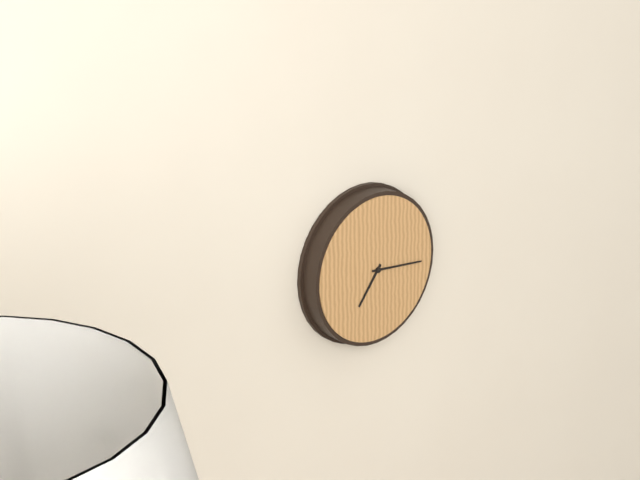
7:16
